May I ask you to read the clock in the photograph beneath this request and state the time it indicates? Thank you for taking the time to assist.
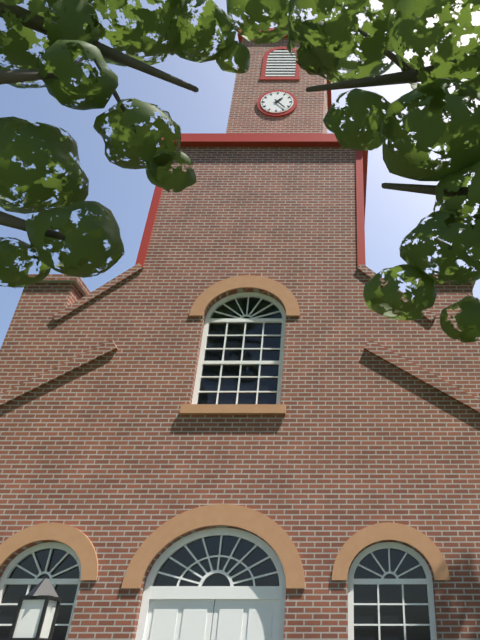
1:23
